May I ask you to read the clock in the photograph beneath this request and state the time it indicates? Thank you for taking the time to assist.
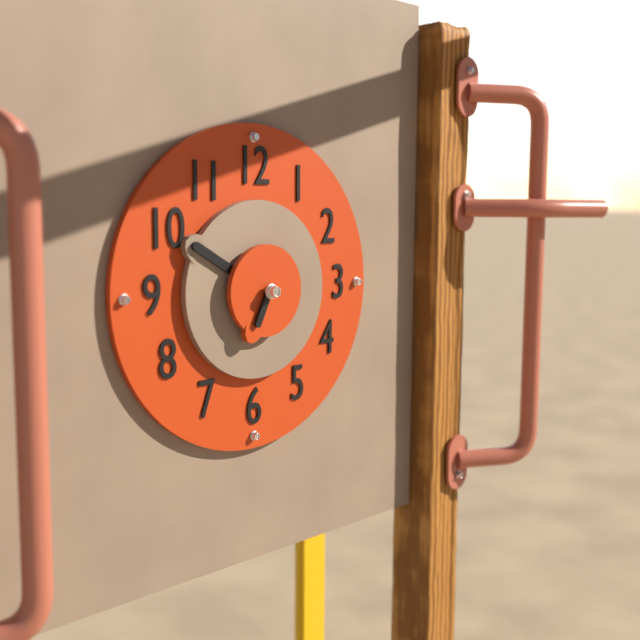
6:50
